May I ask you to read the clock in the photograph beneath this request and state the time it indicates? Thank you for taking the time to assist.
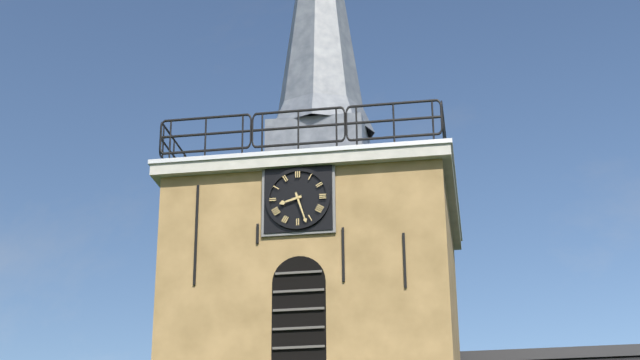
8:27
